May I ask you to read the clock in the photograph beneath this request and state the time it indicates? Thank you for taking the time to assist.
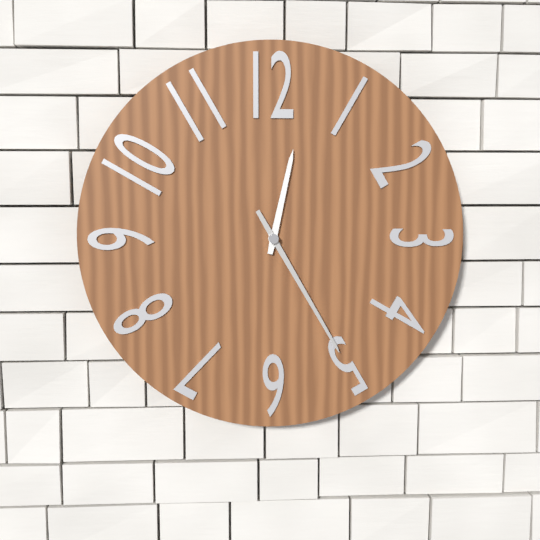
12:25
